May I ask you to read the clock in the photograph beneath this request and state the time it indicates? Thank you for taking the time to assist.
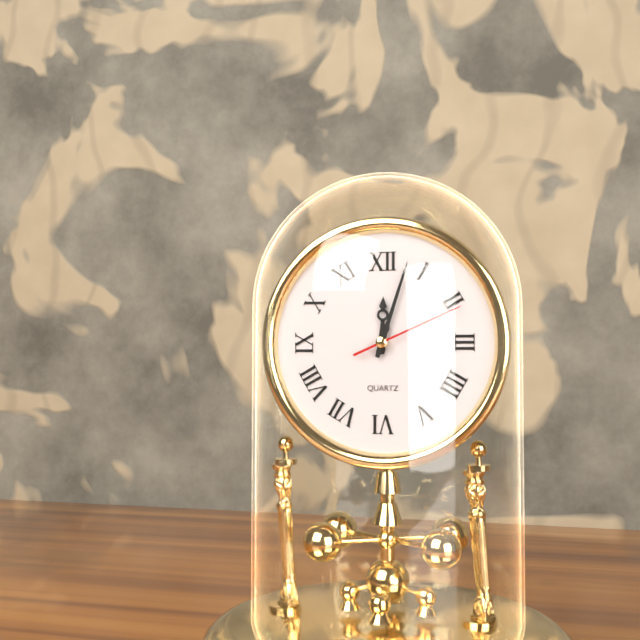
12:03:11
